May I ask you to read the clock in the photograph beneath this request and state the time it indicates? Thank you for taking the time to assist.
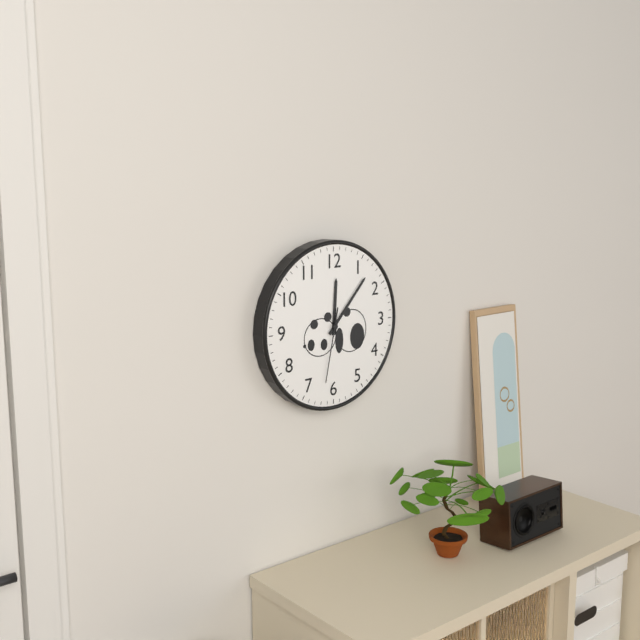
12:07:32
